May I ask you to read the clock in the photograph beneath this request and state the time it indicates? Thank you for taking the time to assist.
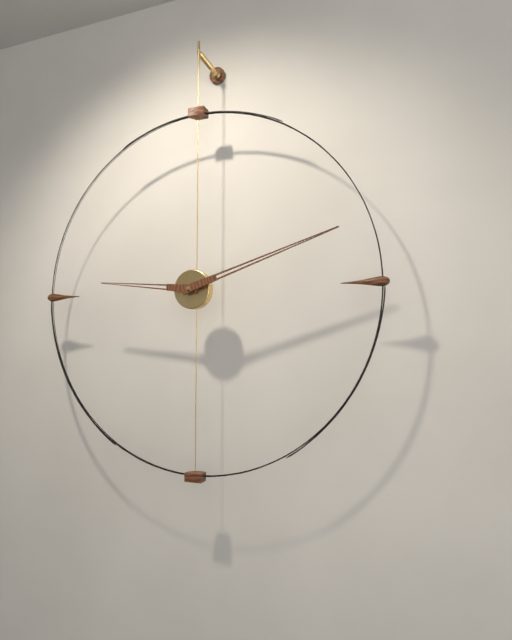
9:12
